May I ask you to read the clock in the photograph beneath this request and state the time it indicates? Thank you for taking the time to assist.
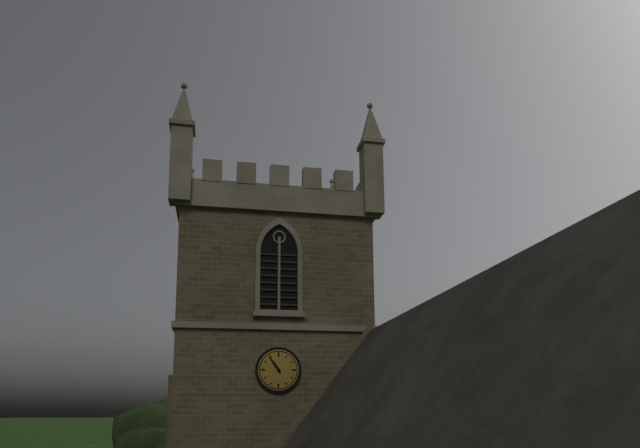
10:54
